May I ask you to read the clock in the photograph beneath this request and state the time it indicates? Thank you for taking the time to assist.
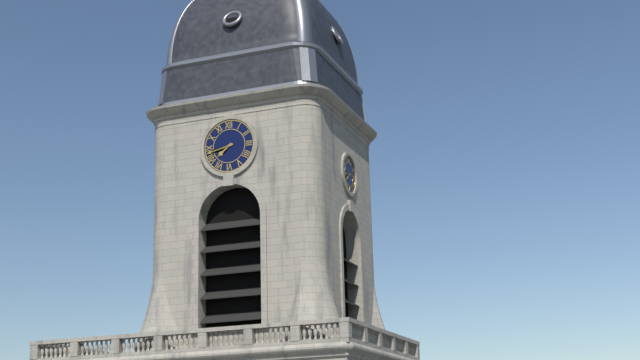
7:43
